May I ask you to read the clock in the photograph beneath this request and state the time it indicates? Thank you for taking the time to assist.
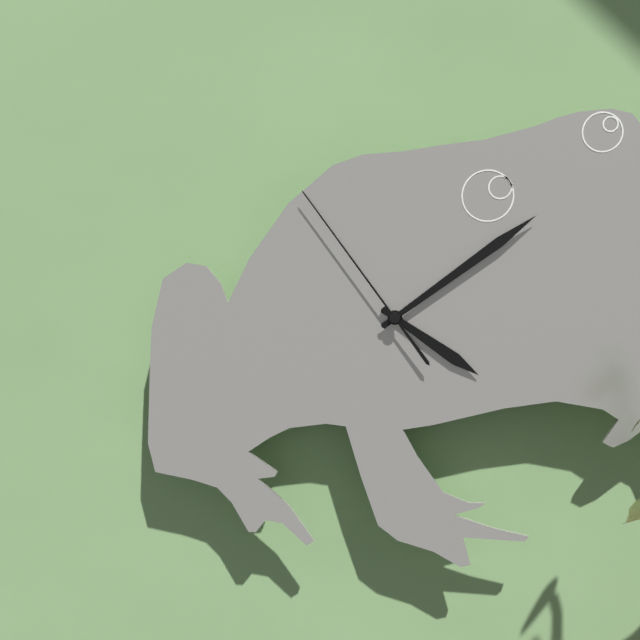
4:09:54
